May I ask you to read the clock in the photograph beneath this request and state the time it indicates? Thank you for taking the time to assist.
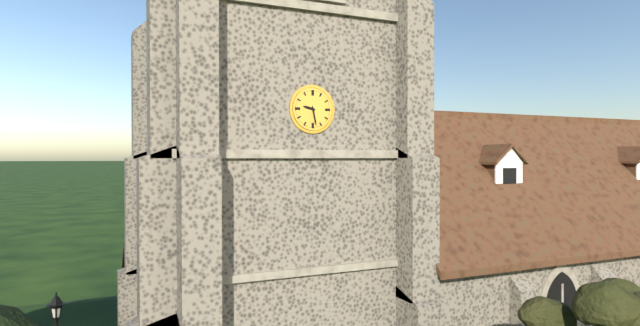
9:28
